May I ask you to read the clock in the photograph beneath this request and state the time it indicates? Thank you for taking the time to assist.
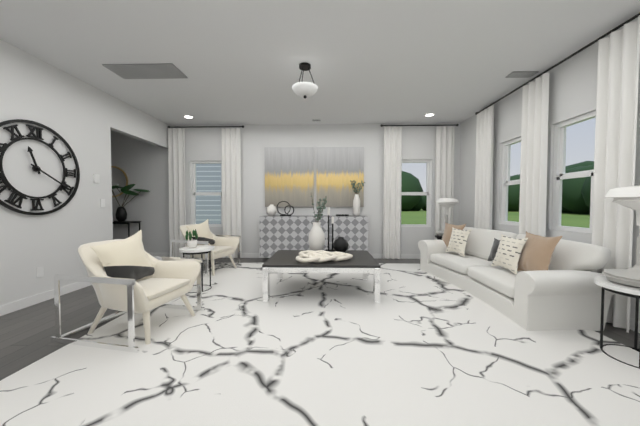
11:20
